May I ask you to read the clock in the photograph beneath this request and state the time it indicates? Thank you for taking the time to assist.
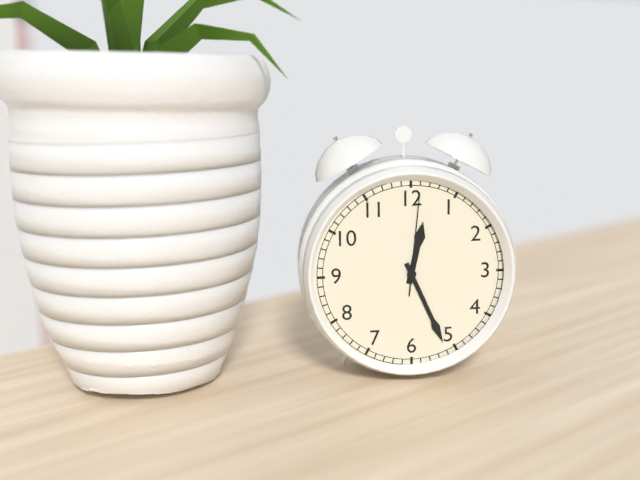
12:26:01
